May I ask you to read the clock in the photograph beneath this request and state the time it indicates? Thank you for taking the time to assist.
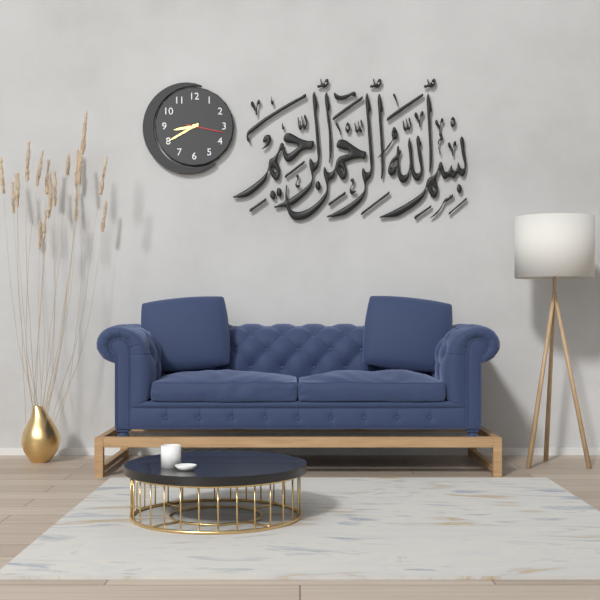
8:40
